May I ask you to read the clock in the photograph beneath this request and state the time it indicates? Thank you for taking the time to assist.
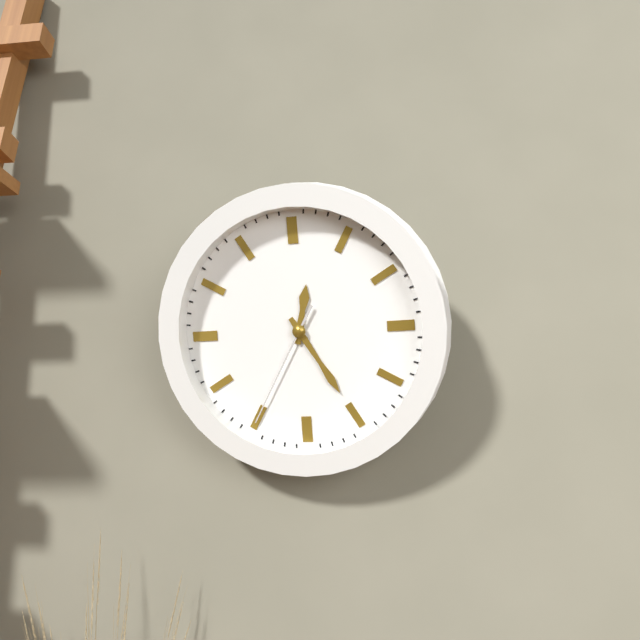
12:25:35
